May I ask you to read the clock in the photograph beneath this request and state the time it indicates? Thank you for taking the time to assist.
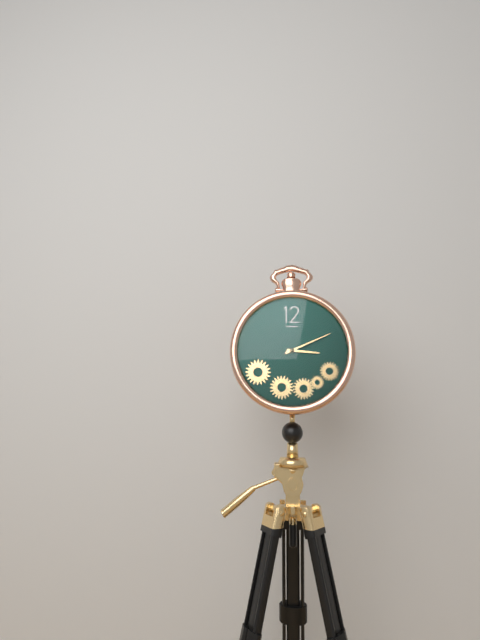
3:11
